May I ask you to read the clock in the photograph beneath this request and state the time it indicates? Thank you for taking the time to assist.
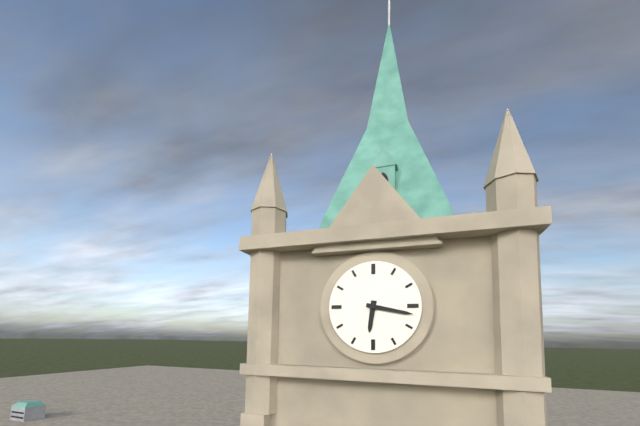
6:17
